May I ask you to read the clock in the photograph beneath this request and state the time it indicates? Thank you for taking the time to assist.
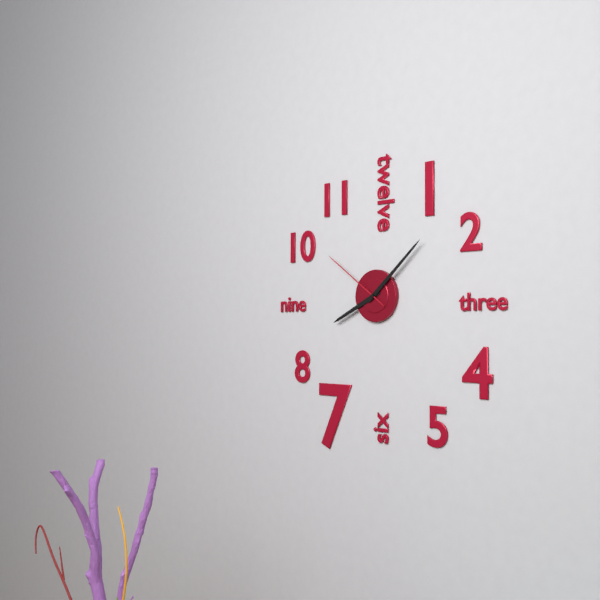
8:08:51
